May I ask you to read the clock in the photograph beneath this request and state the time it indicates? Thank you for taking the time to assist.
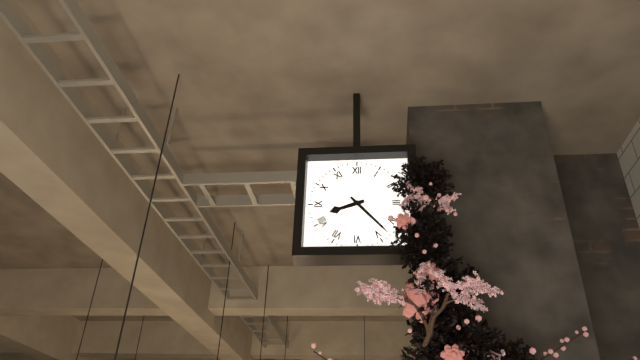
8:23
